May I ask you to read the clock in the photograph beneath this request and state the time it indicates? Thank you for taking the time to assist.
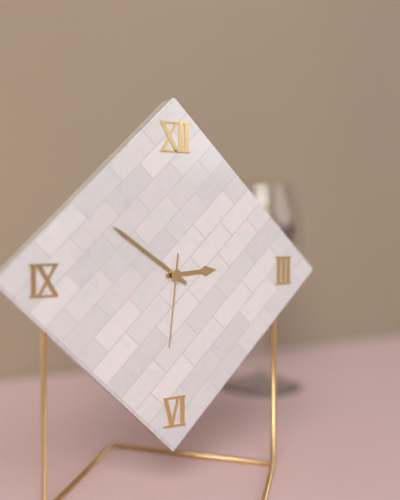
2:51:31
